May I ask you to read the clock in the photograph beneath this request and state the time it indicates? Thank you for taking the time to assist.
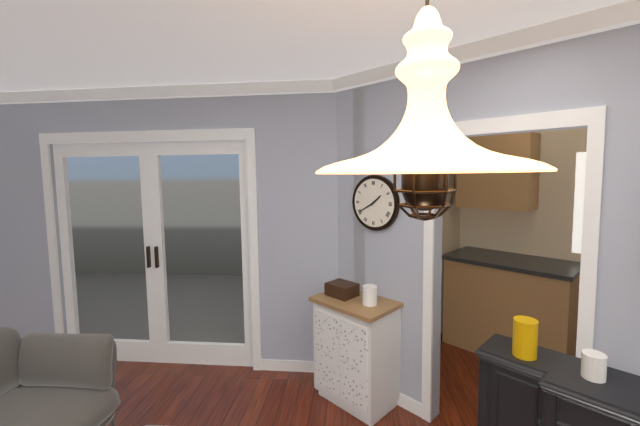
1:40
